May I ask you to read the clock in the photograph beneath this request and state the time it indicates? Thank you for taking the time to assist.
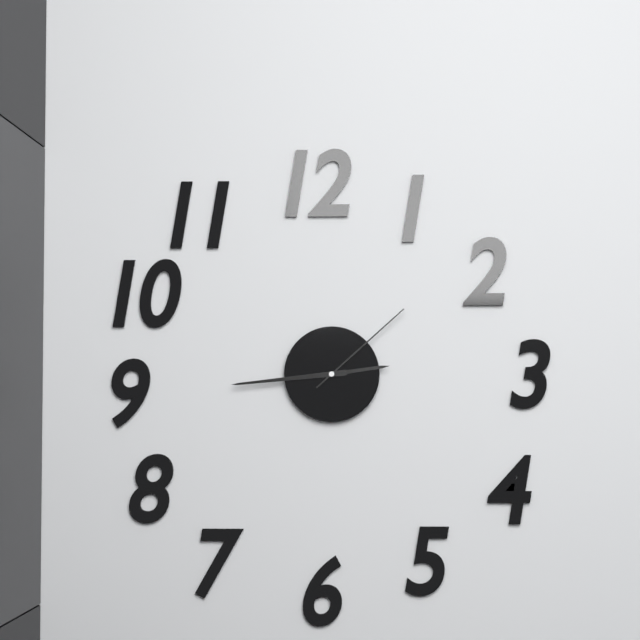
2:44:08
